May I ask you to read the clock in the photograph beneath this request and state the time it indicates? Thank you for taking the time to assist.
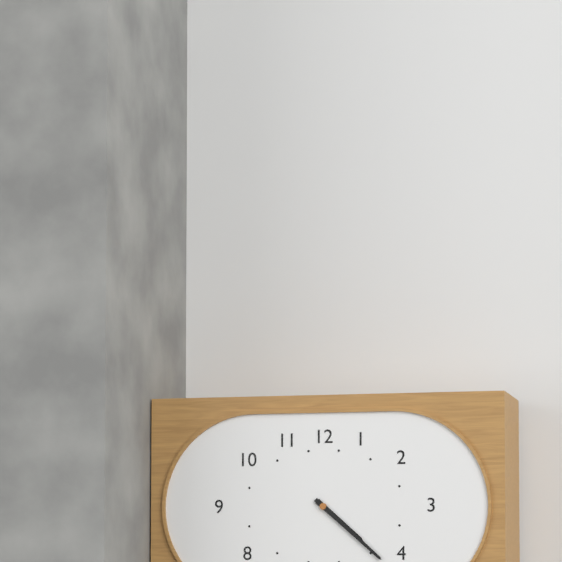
4:22
